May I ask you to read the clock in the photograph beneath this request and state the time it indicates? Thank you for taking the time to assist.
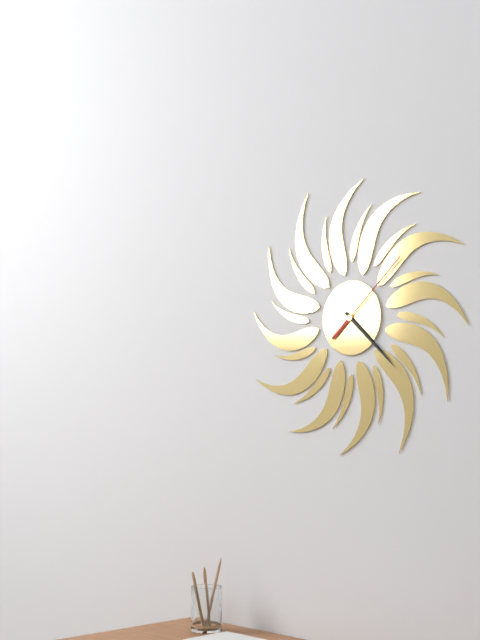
4:22:08
